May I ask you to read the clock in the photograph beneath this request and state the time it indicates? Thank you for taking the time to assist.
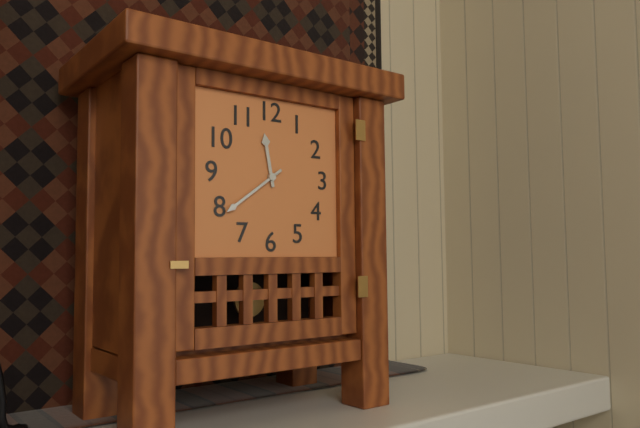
11:39
